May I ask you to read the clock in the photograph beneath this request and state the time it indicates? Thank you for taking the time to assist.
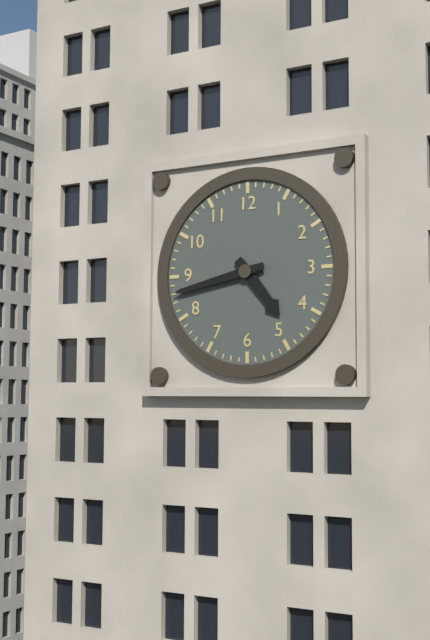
4:43
